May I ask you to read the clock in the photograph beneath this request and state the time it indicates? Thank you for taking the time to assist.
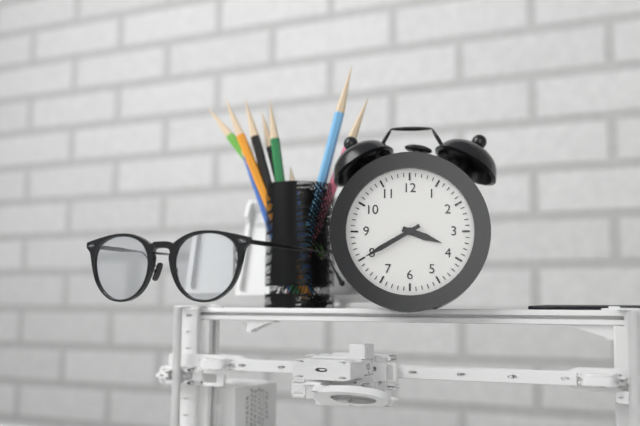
3:40
